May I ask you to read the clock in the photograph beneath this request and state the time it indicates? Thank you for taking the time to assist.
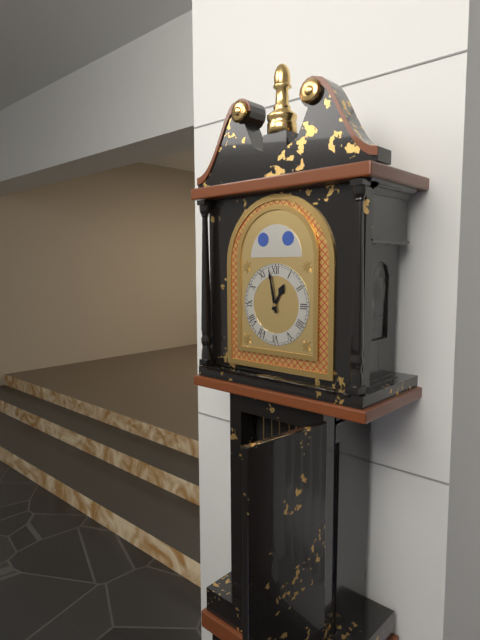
12:58
